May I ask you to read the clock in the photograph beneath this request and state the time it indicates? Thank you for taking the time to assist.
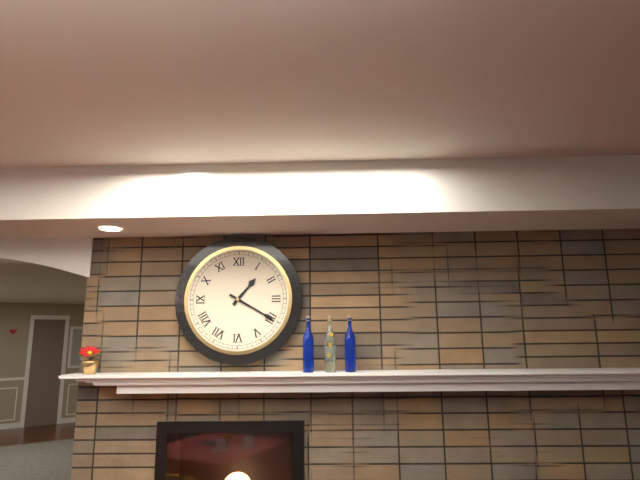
1:20
